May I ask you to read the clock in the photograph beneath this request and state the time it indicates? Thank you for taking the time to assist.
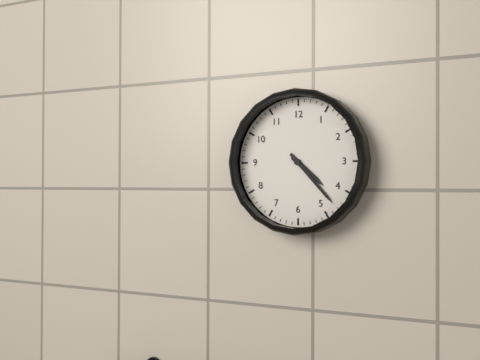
4:23
